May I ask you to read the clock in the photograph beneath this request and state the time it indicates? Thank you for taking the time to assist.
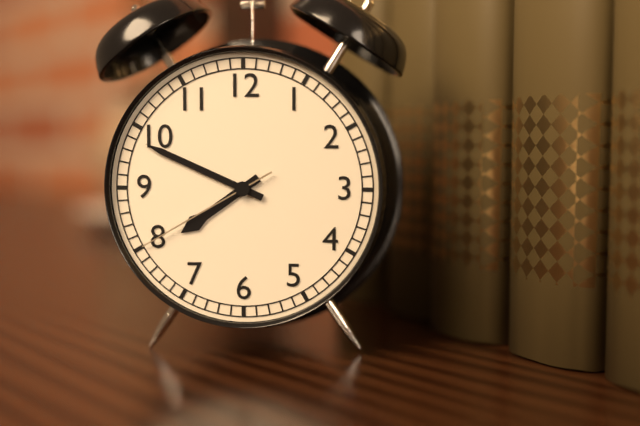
7:49:40
